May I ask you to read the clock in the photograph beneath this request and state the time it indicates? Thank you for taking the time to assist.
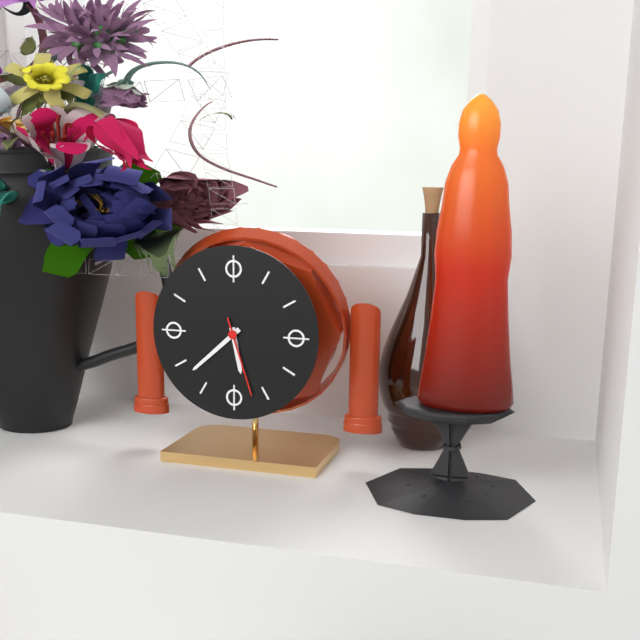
5:38:27
